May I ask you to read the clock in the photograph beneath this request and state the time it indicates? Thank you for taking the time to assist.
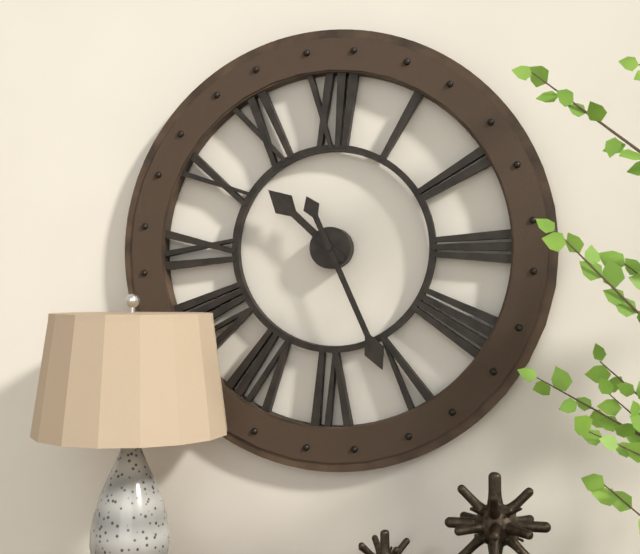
10:26
